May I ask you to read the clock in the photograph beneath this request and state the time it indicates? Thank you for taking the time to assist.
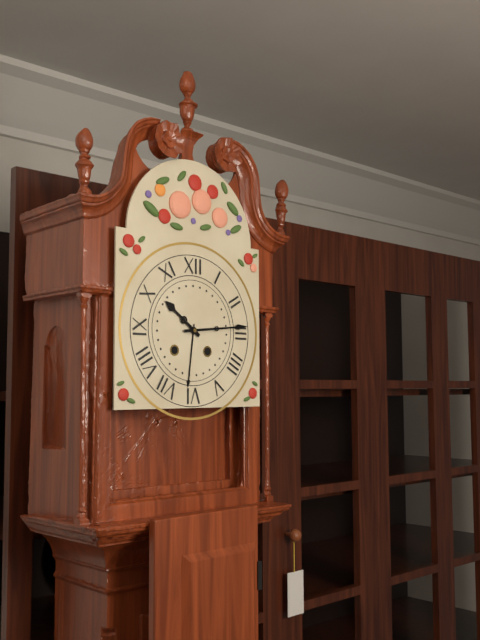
10:14
